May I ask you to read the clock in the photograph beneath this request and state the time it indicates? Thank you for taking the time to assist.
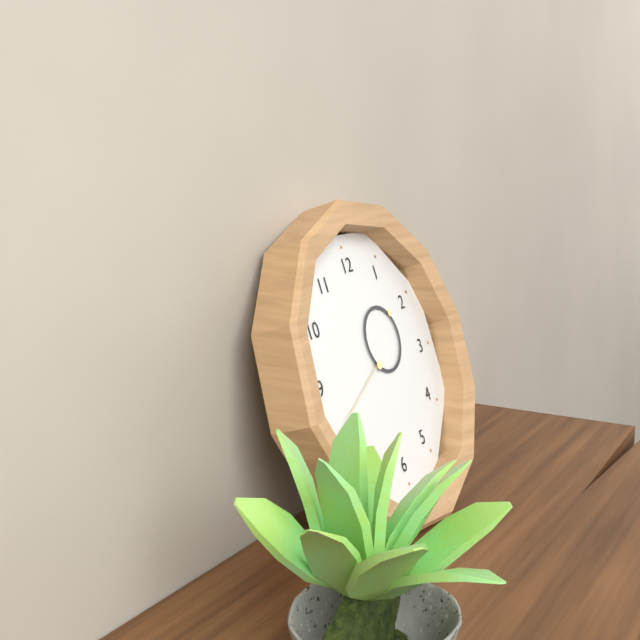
1:41
